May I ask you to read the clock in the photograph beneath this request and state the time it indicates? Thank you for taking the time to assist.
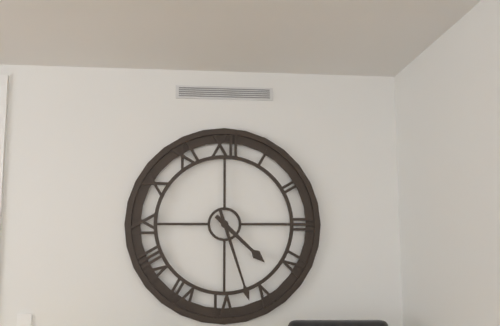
4:27
